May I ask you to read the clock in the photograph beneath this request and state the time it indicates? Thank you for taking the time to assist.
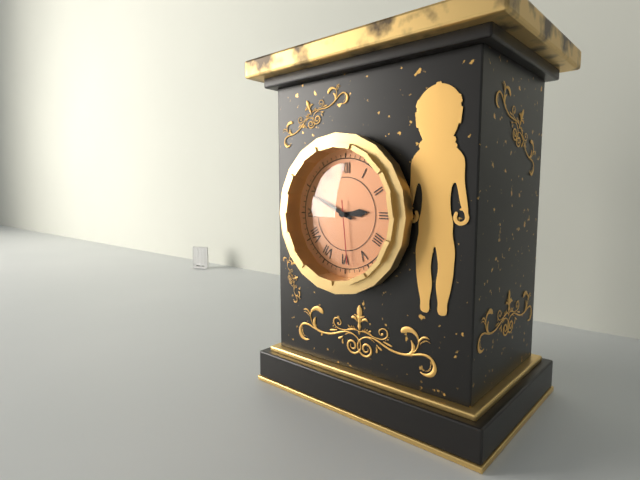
2:49:29
